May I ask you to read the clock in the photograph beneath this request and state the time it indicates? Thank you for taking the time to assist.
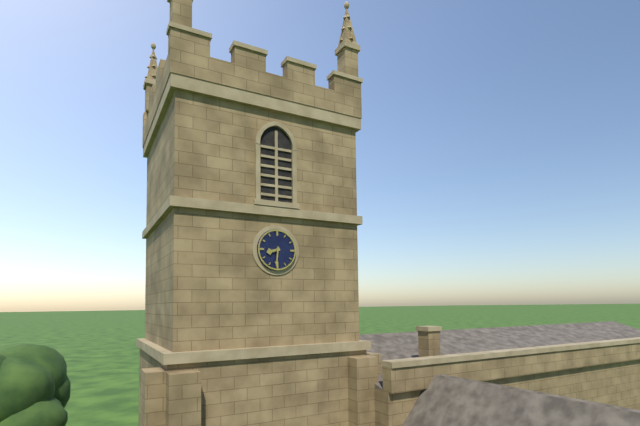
8:31
